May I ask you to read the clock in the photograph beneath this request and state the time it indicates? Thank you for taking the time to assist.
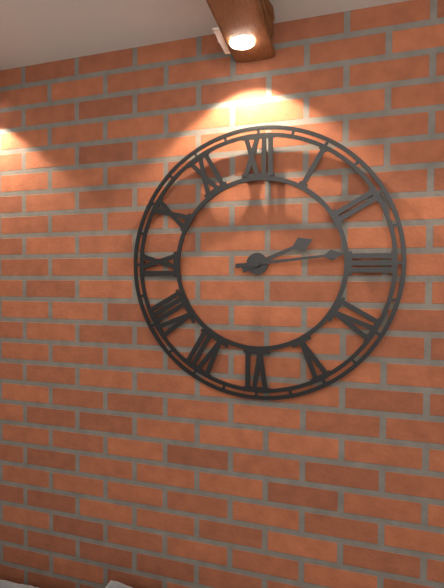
2:14
